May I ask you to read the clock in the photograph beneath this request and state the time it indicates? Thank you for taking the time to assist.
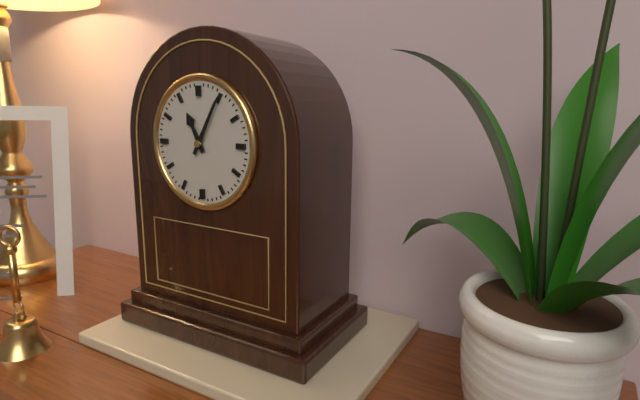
11:05
